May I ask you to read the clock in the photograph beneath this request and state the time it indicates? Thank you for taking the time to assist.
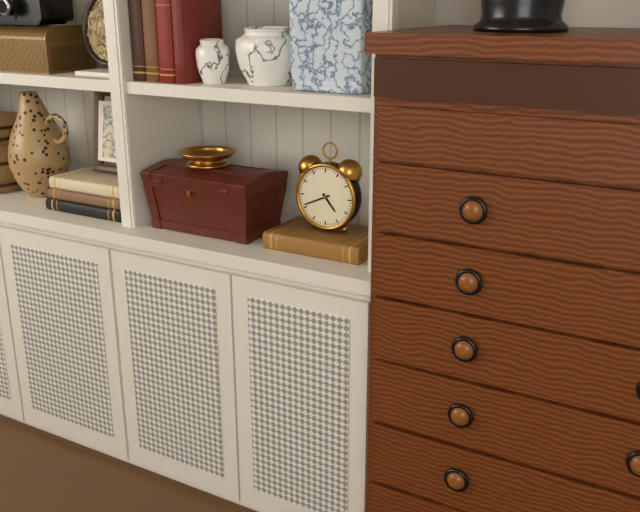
4:41
